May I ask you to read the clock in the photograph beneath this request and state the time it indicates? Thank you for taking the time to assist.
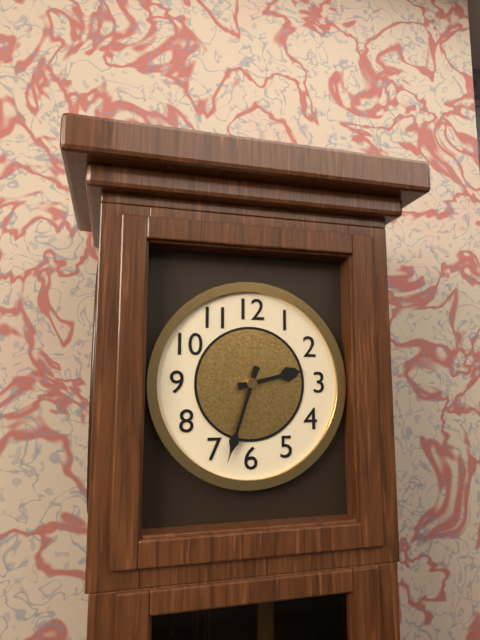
2:33
